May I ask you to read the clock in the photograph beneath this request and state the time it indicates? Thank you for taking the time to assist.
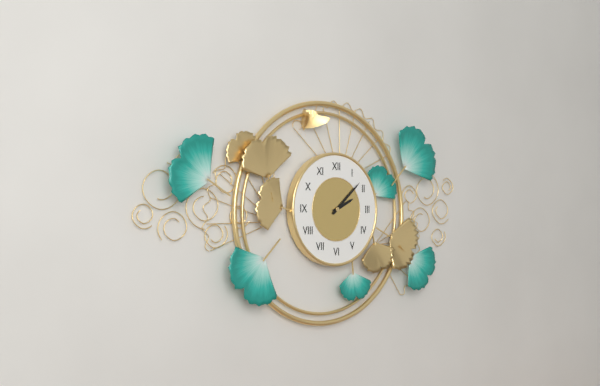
2:08
